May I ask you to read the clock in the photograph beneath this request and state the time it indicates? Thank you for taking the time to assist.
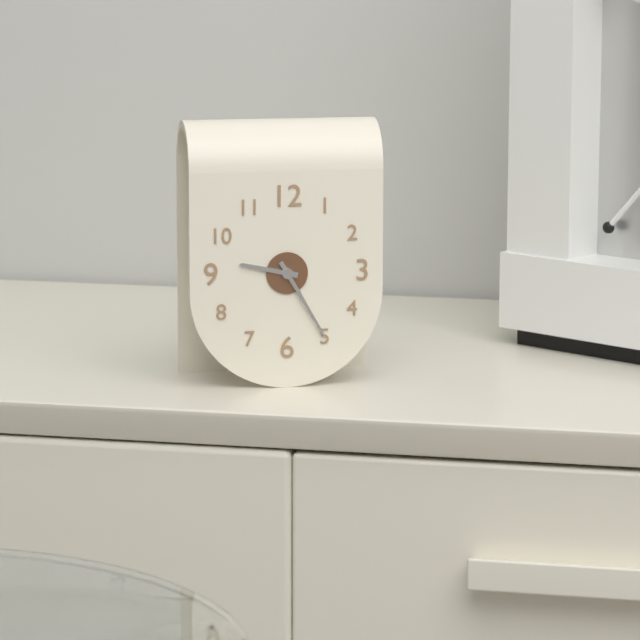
9:25
